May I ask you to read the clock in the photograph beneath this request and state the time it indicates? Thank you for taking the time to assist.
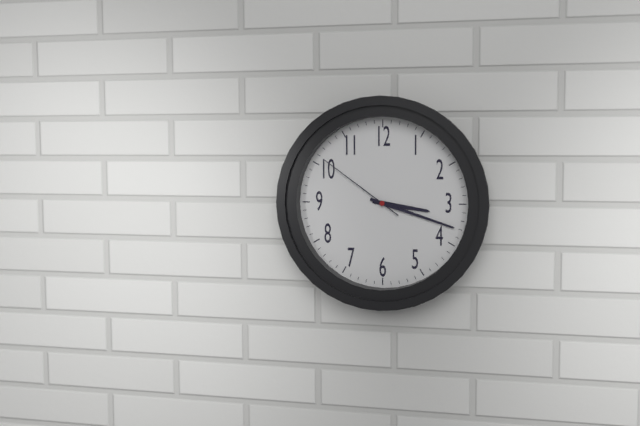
3:18:51
